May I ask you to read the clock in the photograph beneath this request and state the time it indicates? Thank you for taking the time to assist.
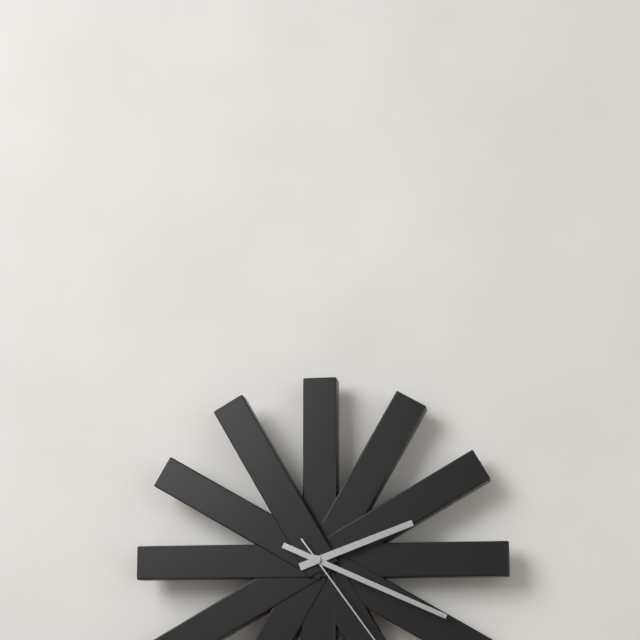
2:19
